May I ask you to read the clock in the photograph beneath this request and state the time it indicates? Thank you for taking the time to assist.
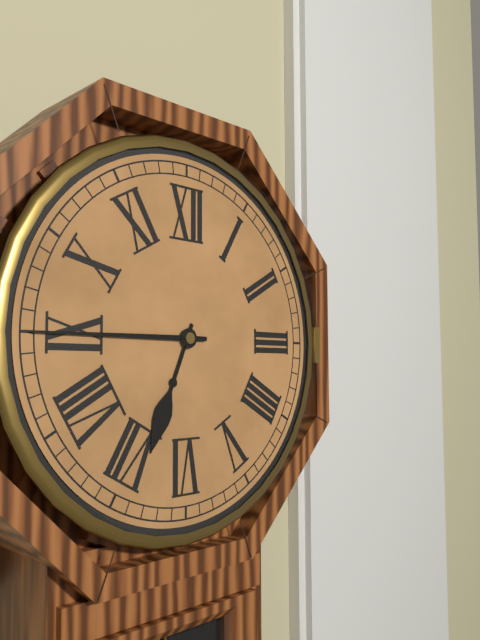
6:45
